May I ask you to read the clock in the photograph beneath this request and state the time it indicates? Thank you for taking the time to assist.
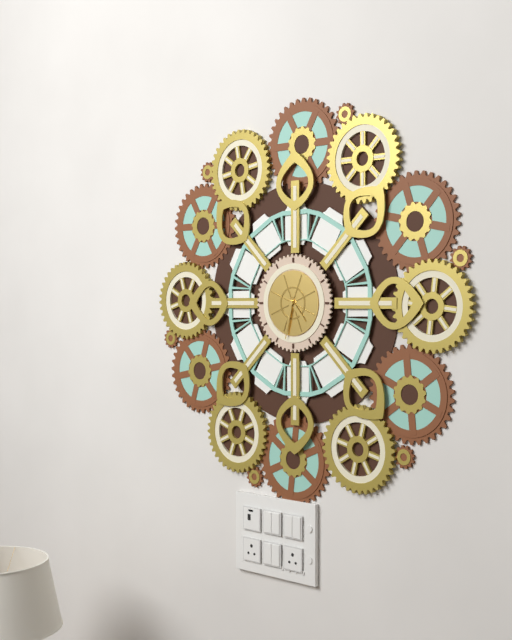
4:32
